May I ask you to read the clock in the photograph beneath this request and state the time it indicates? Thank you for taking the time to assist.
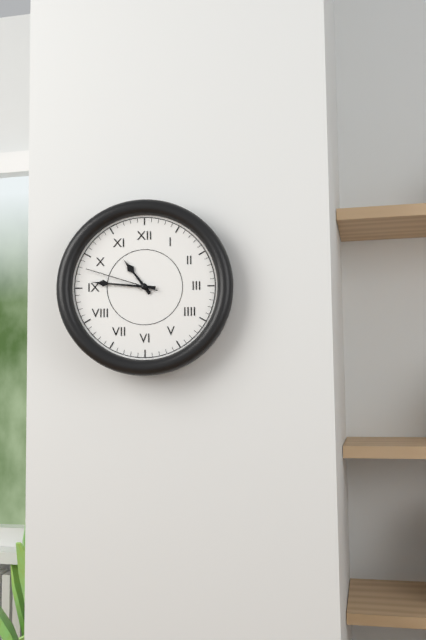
10:46:48
